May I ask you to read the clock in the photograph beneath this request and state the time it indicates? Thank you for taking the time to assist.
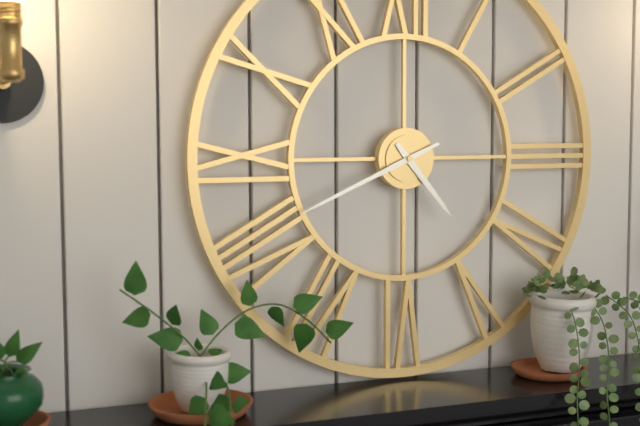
4:41
